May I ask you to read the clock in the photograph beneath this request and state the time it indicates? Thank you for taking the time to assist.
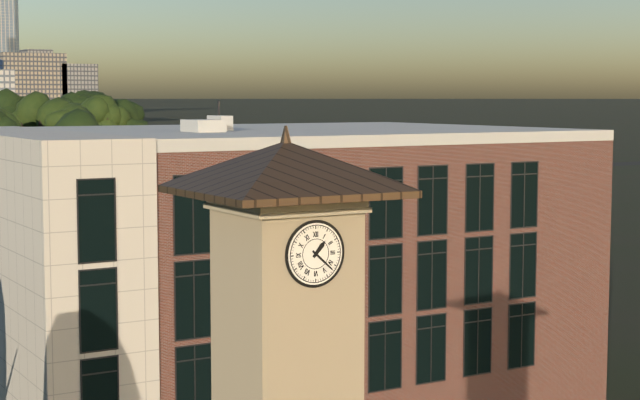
1:22
